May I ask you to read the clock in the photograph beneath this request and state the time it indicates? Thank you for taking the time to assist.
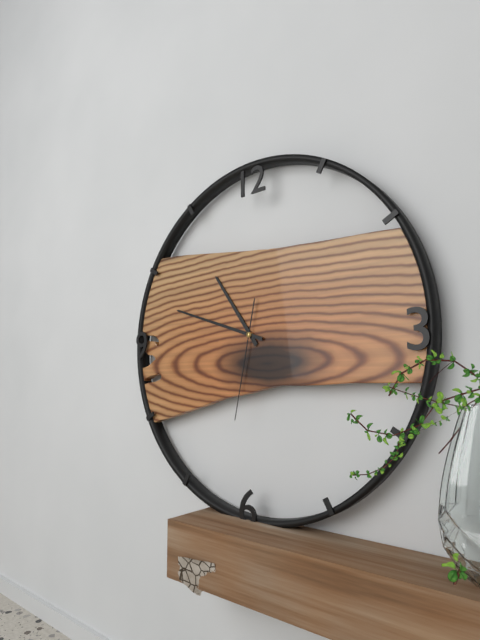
10:48:32
